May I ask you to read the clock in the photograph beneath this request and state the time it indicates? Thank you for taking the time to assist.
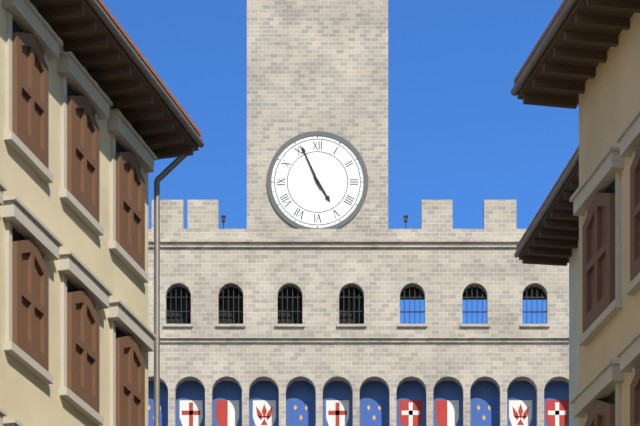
4:56
